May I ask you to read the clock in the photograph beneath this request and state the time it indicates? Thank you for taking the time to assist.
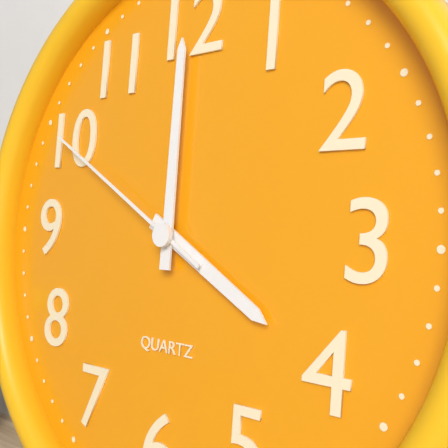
4:00:50
